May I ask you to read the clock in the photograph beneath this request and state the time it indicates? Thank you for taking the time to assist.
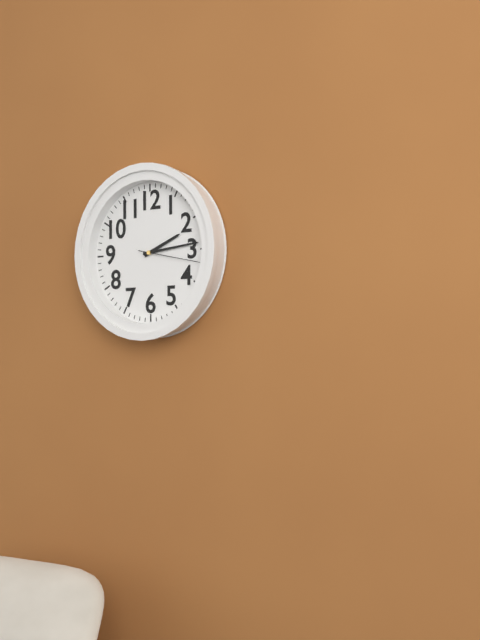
2:14:17
